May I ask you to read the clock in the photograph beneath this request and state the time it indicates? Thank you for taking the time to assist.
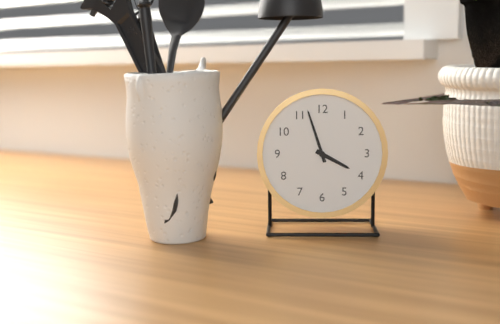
3:57
